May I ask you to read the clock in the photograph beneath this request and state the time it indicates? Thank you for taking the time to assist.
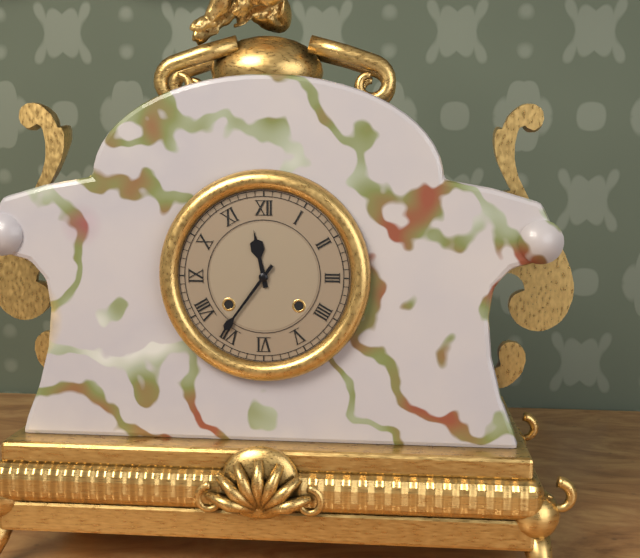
11:36
